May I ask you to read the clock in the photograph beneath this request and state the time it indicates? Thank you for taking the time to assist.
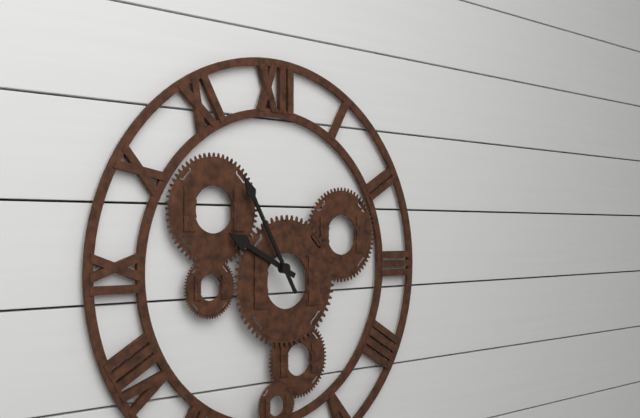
9:55
